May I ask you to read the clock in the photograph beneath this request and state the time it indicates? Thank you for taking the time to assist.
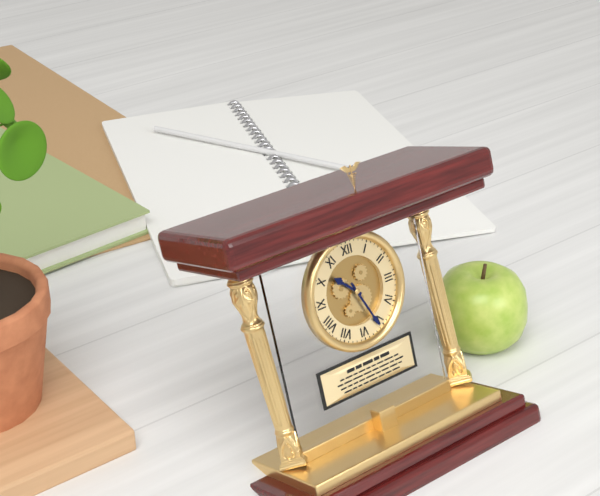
10:26
